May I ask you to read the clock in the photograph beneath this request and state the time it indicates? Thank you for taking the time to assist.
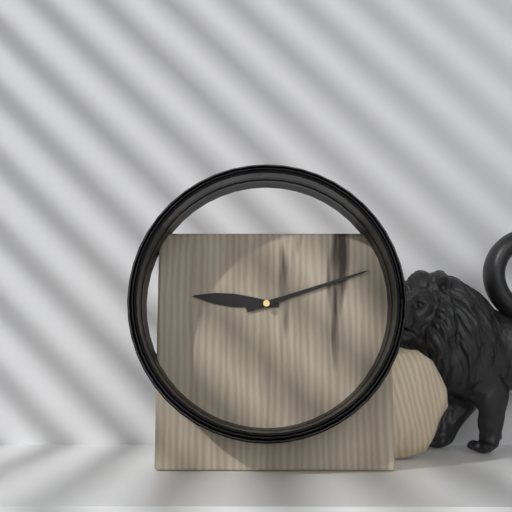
9:12
